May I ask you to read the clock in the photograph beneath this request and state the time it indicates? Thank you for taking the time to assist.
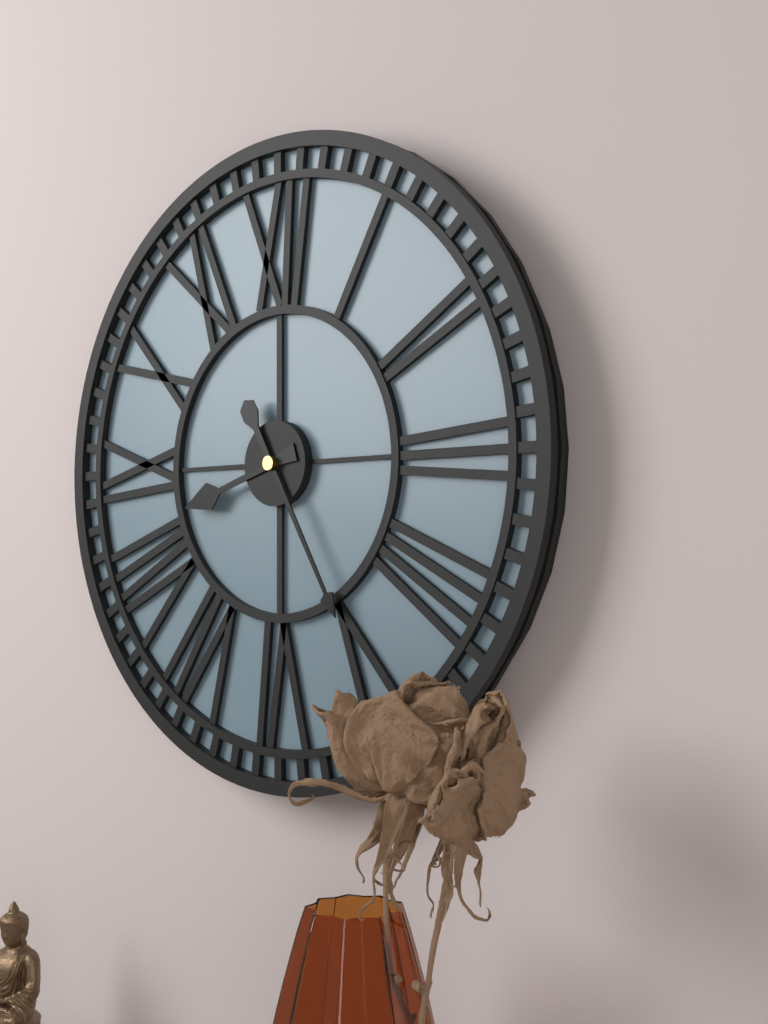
8:25
